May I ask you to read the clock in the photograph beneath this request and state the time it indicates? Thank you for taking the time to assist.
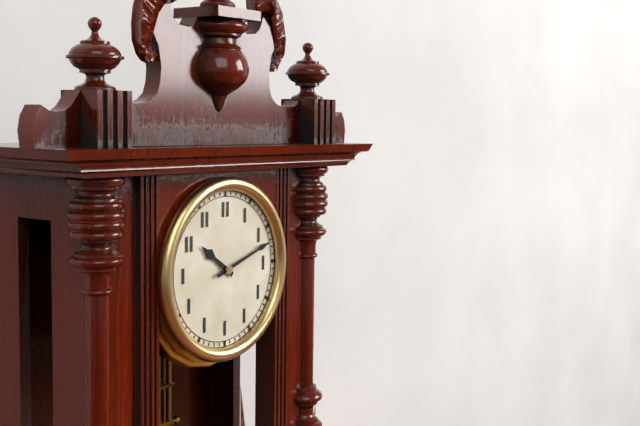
10:12
